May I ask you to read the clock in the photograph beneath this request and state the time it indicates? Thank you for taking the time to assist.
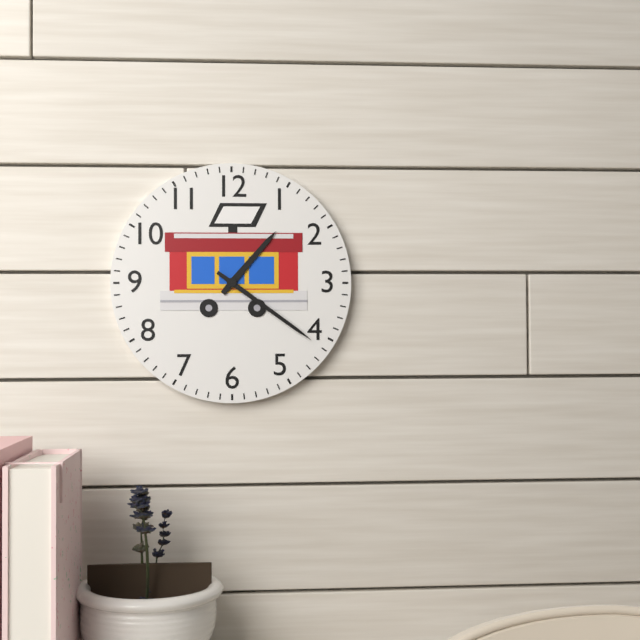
1:21
